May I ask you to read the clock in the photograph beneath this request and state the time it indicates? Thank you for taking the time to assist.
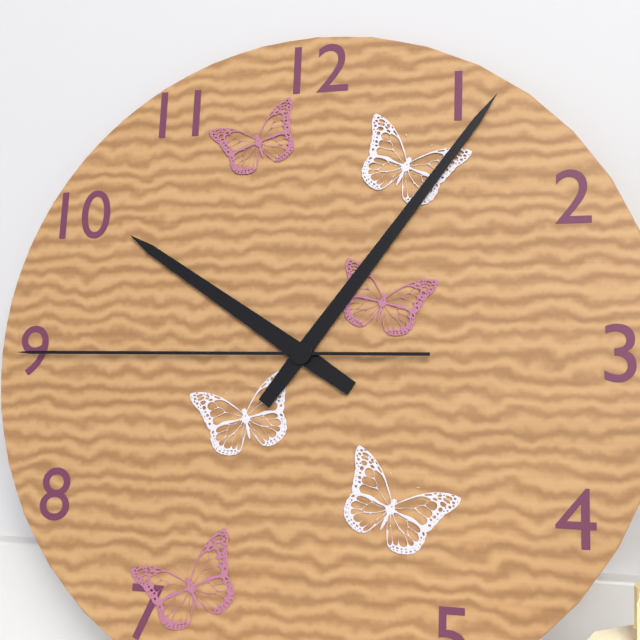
10:06:45
